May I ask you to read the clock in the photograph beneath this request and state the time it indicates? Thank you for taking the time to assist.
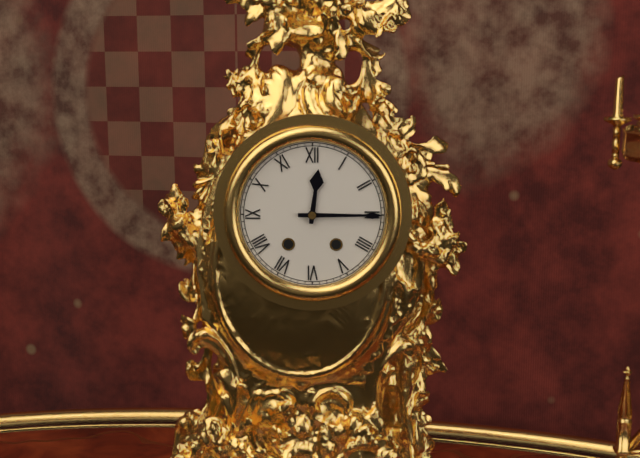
12:15
